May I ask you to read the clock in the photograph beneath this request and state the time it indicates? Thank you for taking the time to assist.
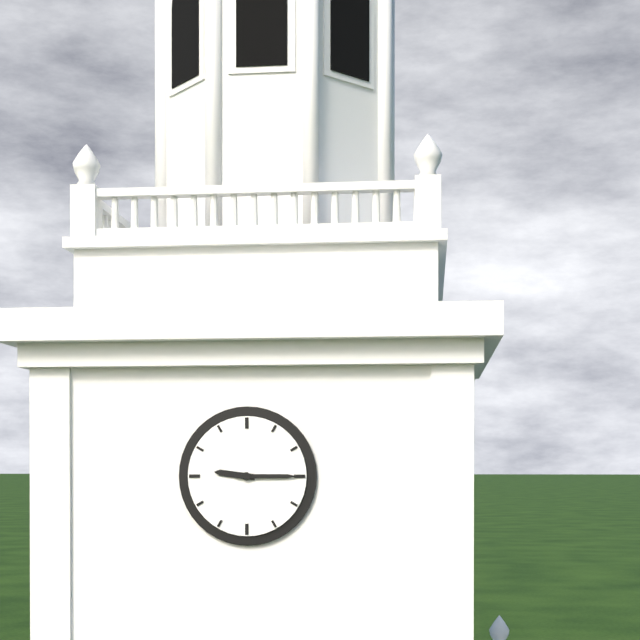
9:15
